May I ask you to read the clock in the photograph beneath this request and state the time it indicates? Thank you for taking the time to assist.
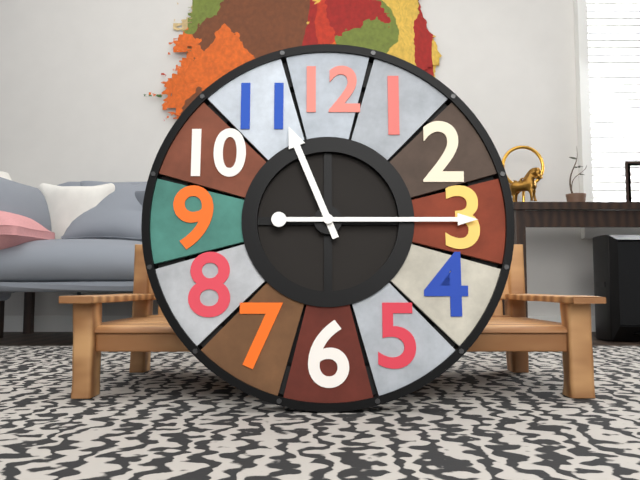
11:15
